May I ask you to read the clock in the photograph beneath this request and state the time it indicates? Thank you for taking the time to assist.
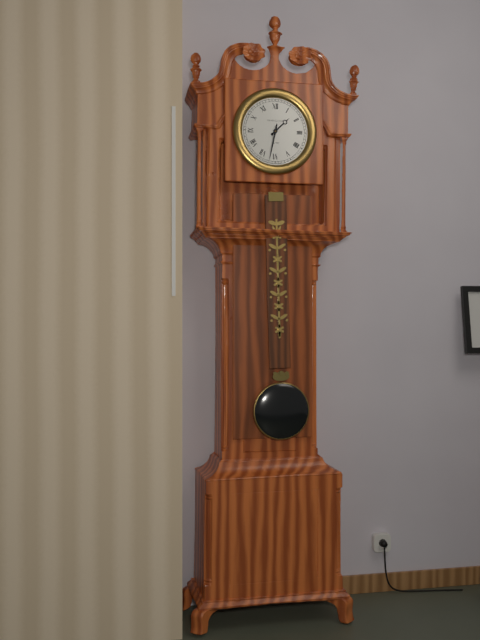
1:32
